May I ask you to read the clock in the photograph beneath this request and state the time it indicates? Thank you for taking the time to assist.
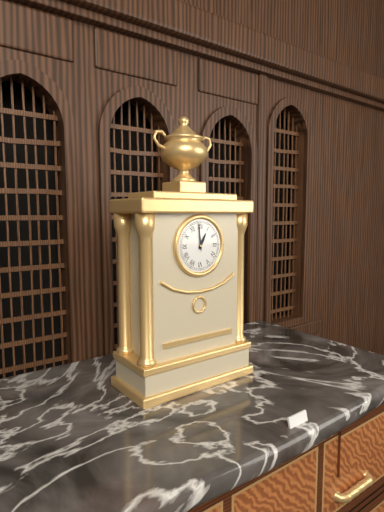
12:59
